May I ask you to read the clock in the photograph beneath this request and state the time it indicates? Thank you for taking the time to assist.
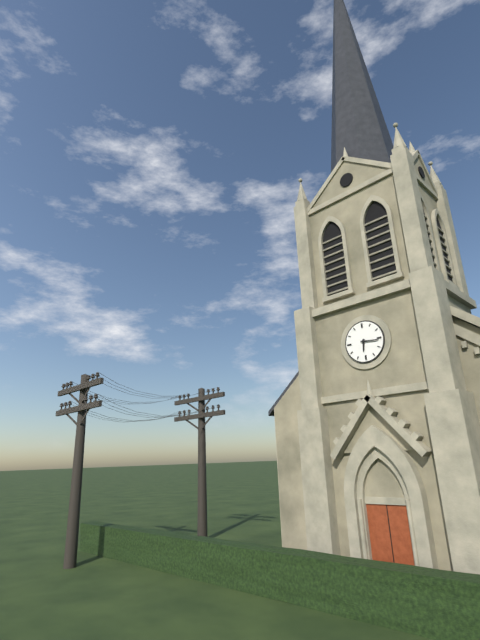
6:16
